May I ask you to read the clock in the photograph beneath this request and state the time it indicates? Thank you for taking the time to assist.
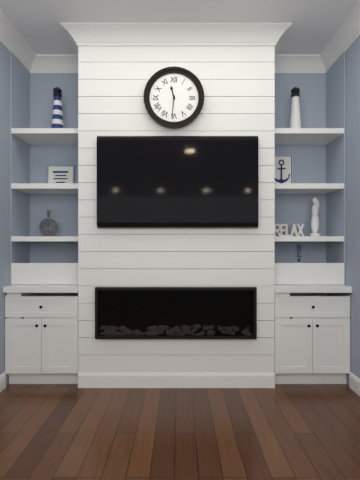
11:31
